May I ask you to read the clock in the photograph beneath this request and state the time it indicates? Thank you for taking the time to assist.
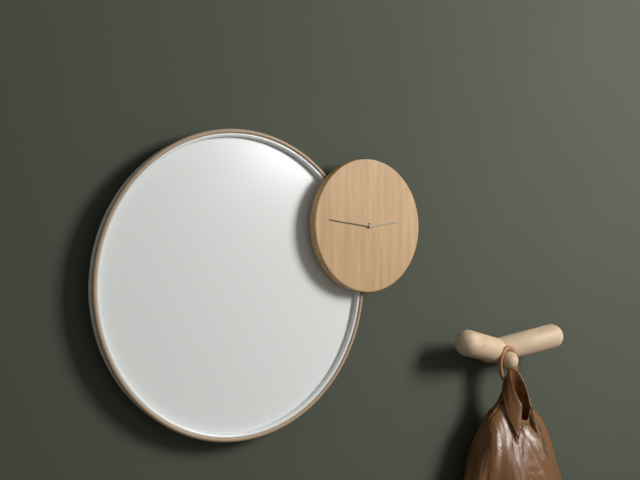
2:46
